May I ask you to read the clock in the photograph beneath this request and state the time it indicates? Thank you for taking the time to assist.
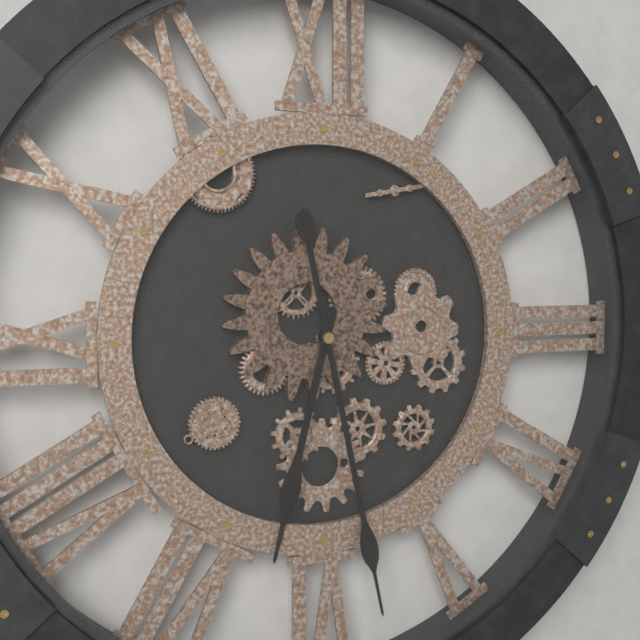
6:28
